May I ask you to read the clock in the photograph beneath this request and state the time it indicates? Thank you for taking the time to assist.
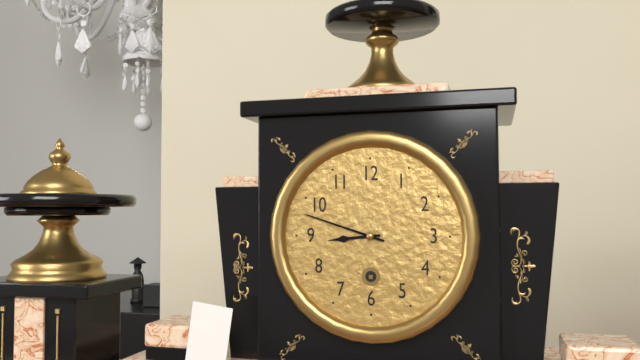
8:48
